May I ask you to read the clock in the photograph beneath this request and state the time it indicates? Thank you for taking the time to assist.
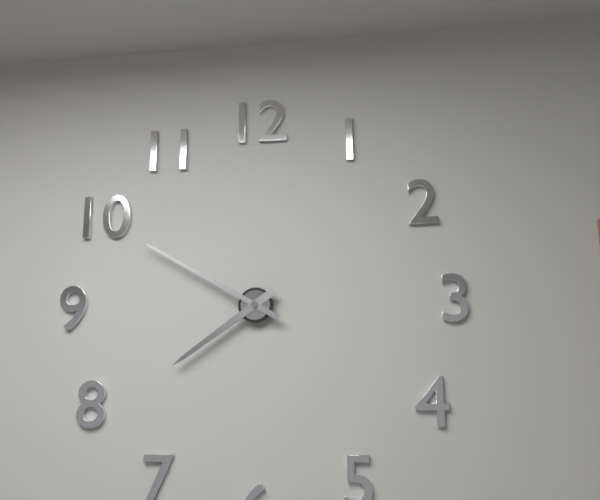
7:50
